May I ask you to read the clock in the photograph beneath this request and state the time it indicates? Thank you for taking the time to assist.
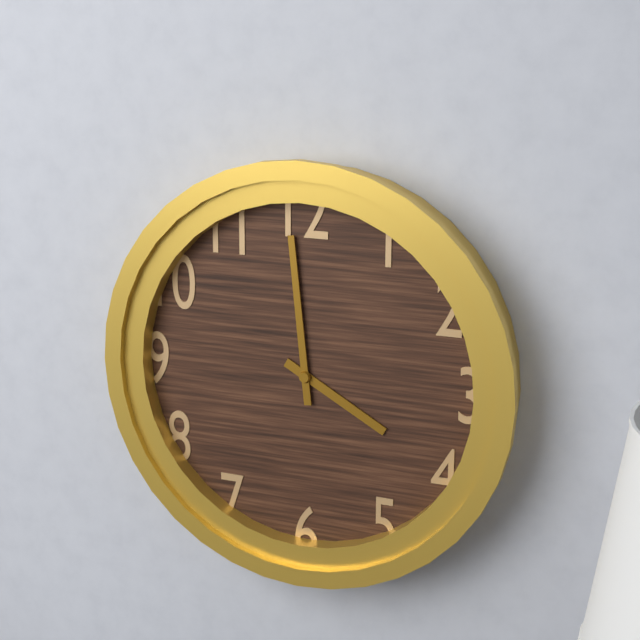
3:59
